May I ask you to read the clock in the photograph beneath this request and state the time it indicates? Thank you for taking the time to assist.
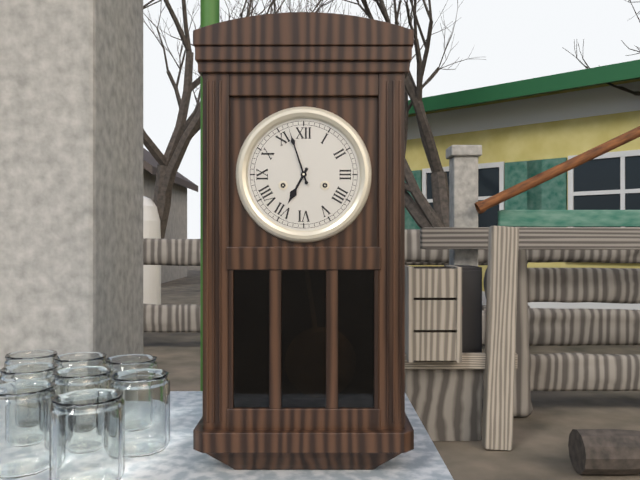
6:57
